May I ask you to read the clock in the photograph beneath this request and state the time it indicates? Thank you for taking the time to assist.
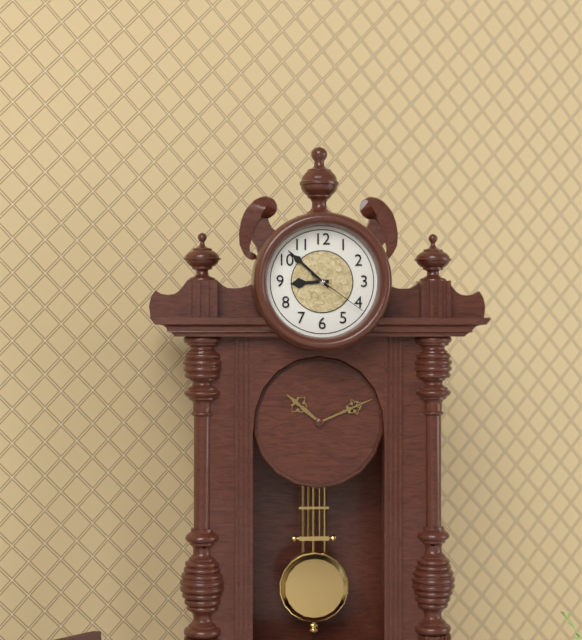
8:52:21
